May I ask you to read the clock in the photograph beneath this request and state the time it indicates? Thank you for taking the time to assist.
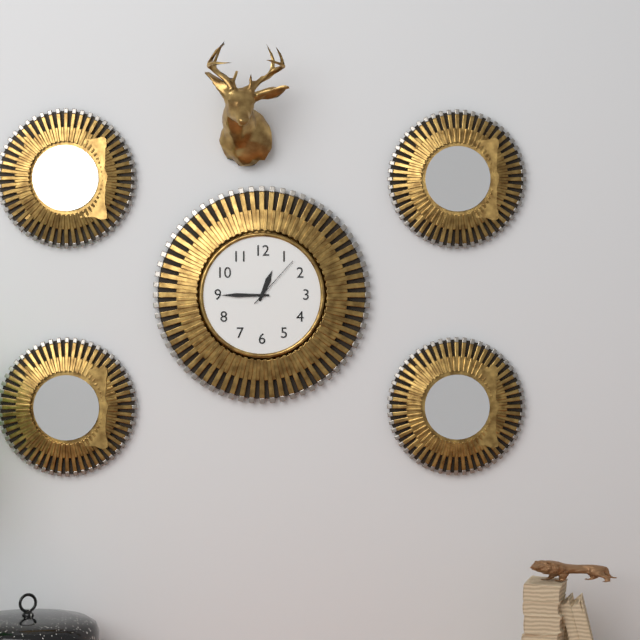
12:45:07
